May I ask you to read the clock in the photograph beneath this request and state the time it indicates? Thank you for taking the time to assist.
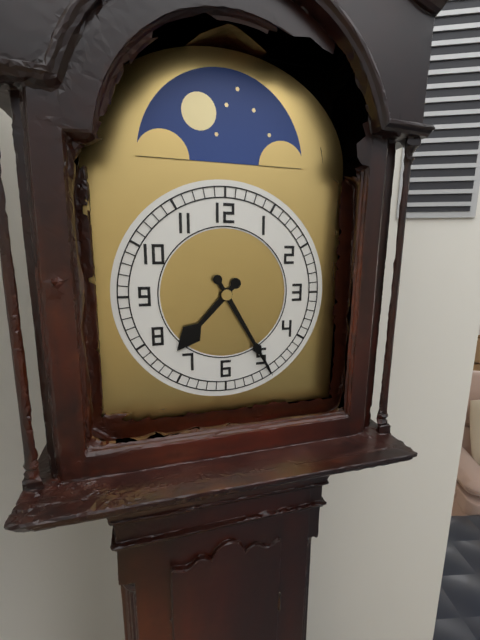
7:25
